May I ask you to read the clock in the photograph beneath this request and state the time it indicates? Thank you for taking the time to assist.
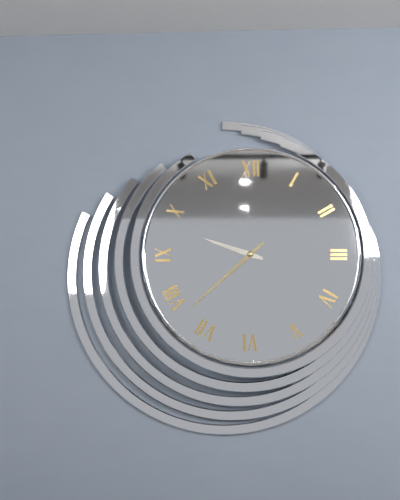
9:38
